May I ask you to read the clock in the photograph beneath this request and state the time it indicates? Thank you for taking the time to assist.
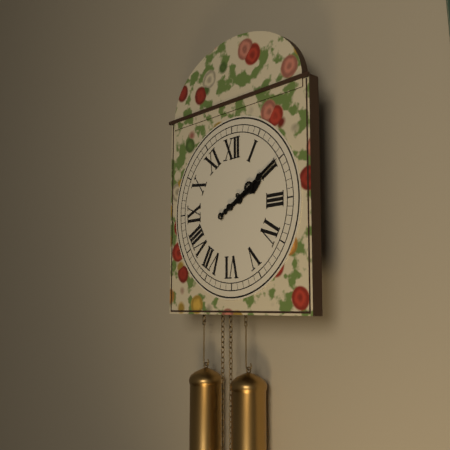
2:10
